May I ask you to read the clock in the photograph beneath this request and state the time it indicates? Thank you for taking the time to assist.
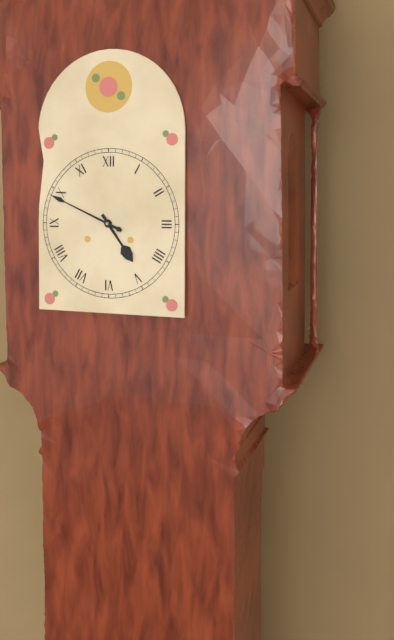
4:49
